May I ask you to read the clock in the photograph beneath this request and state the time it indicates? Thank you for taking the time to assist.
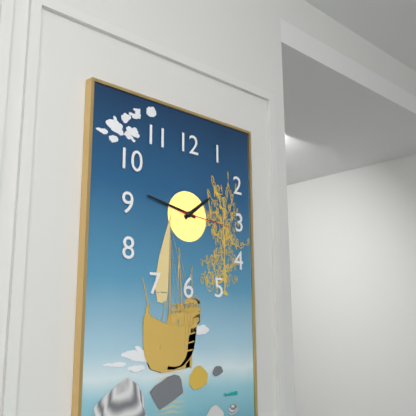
1:47:16
